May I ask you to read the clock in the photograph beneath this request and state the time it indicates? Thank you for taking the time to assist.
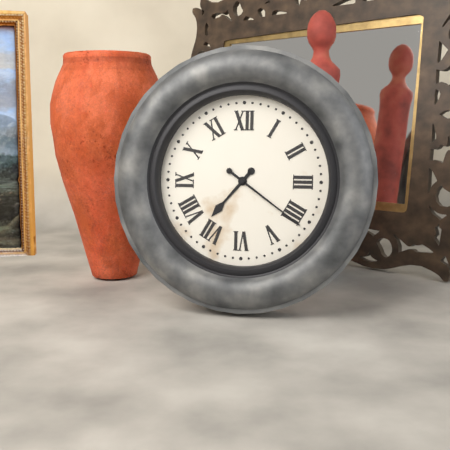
7:21
